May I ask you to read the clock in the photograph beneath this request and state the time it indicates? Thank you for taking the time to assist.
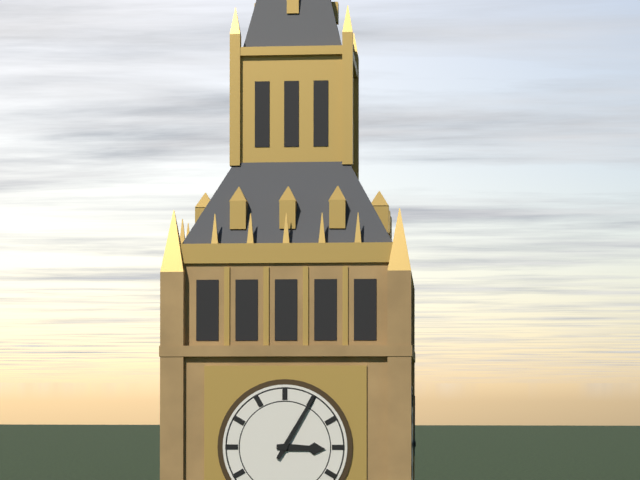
3:05
